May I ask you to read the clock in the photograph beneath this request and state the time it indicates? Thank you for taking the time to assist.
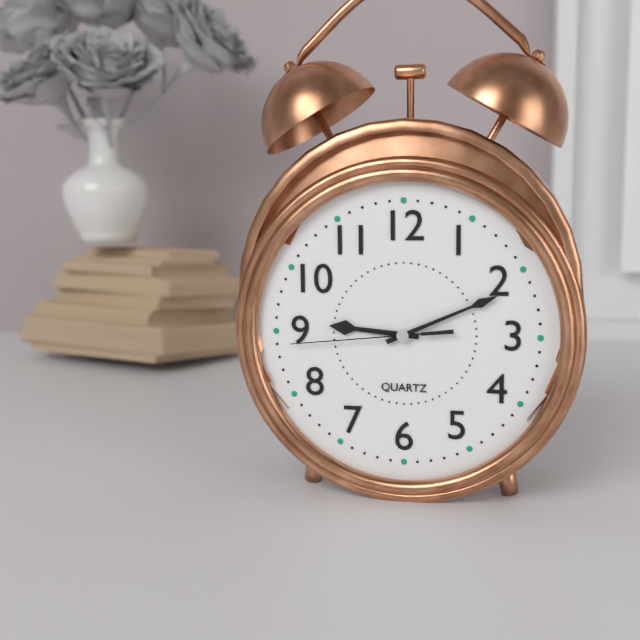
9:11:44
